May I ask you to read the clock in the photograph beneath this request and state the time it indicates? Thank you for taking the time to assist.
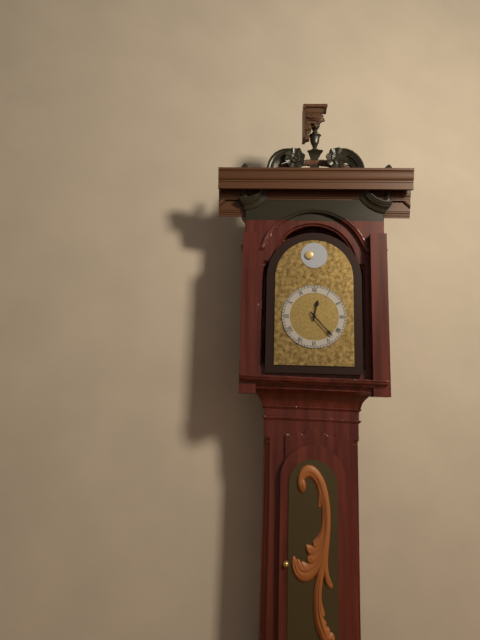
12:23
